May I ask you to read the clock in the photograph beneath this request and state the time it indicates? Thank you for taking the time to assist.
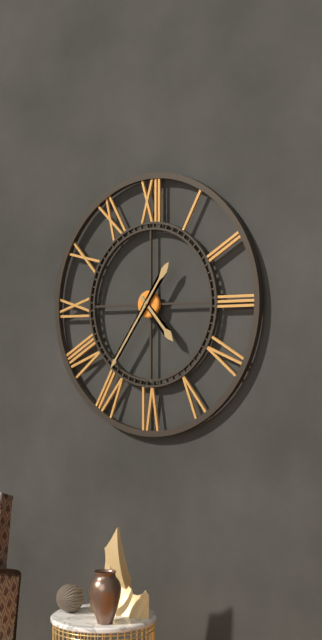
4:36
